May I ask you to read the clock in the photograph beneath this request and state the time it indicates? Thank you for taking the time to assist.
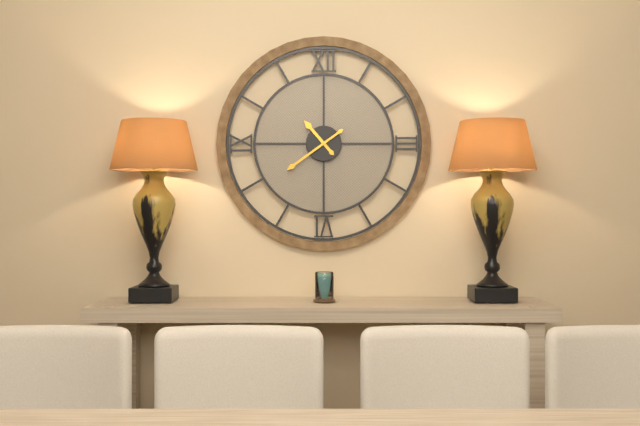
10:39
